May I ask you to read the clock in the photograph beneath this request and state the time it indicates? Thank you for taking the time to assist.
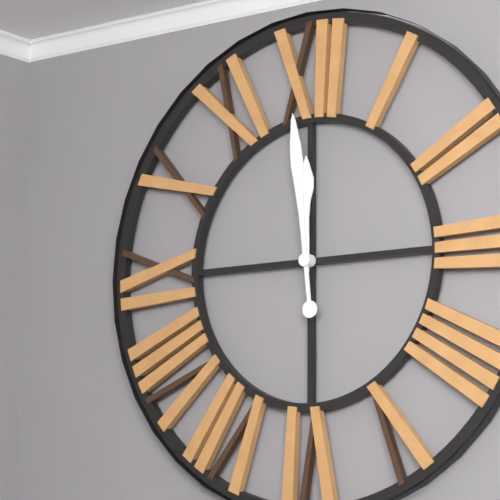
11:59
